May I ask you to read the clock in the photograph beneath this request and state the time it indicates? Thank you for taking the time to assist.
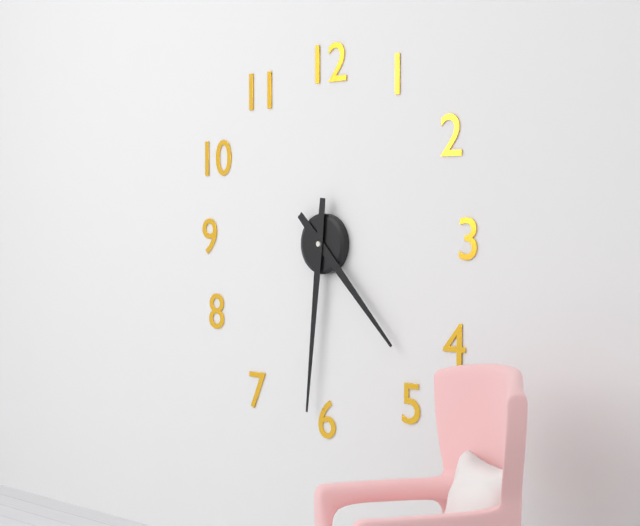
4:31
